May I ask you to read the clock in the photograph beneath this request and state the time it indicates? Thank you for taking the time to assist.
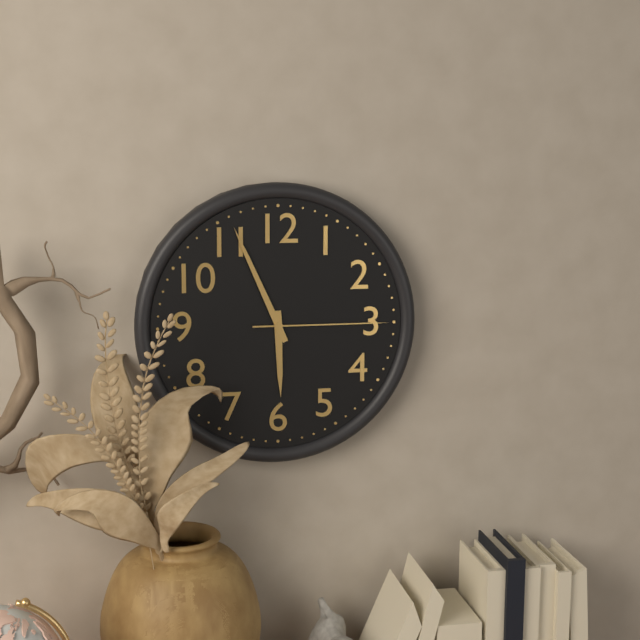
5:56:15
